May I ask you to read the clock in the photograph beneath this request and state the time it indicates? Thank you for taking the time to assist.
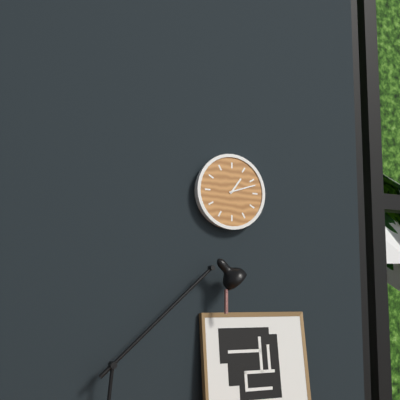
1:12
